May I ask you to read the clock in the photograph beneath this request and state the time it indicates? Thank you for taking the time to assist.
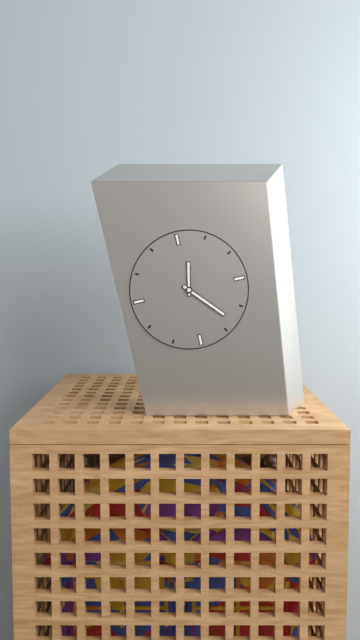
12:23
